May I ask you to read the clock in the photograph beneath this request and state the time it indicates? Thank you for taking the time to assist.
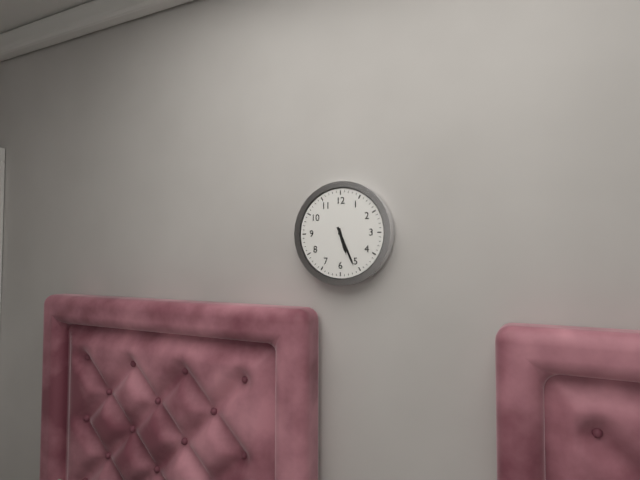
5:26
